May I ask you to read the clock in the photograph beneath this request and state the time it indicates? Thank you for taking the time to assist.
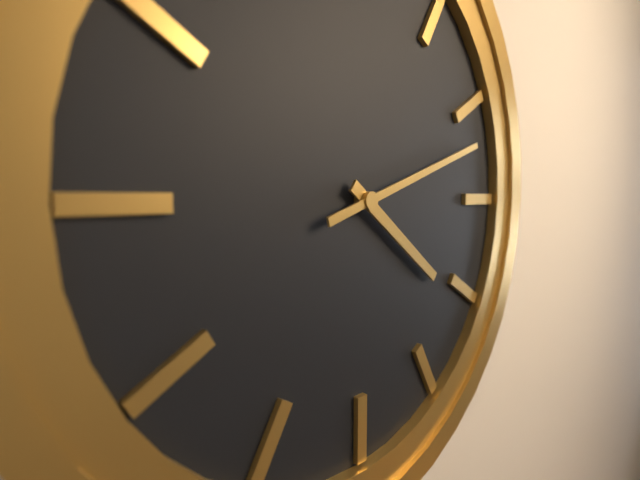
4:12
